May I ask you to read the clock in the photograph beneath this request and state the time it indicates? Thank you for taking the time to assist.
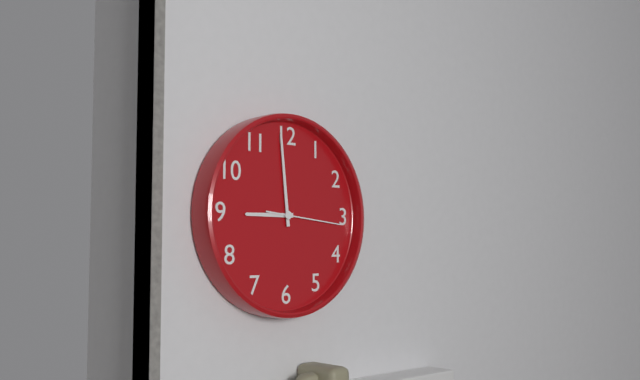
8:59:16
